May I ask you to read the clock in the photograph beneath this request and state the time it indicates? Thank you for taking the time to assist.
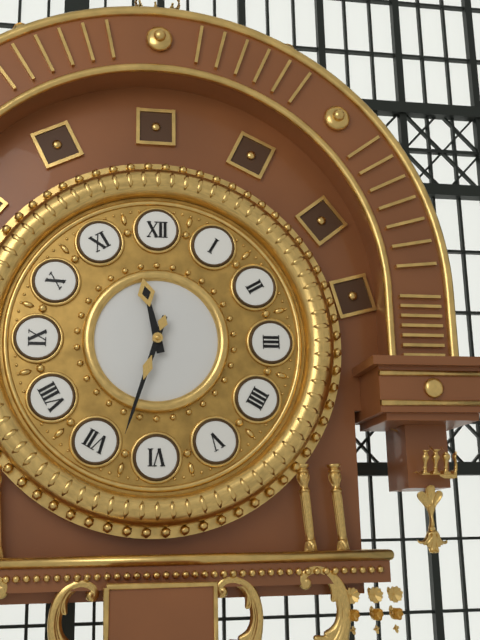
11:33
